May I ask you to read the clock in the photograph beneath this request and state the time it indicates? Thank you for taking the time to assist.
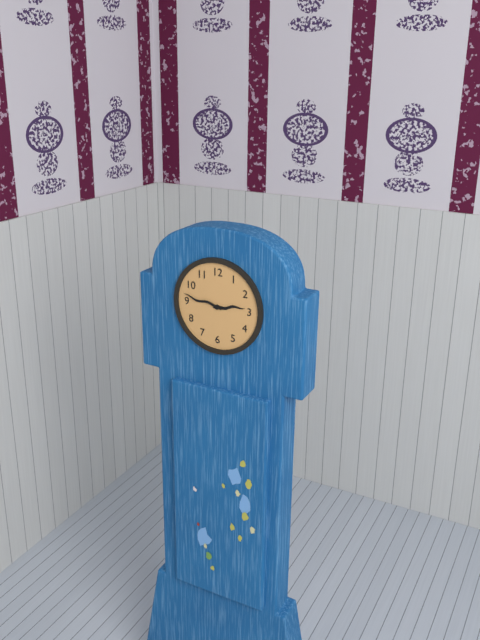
2:47
